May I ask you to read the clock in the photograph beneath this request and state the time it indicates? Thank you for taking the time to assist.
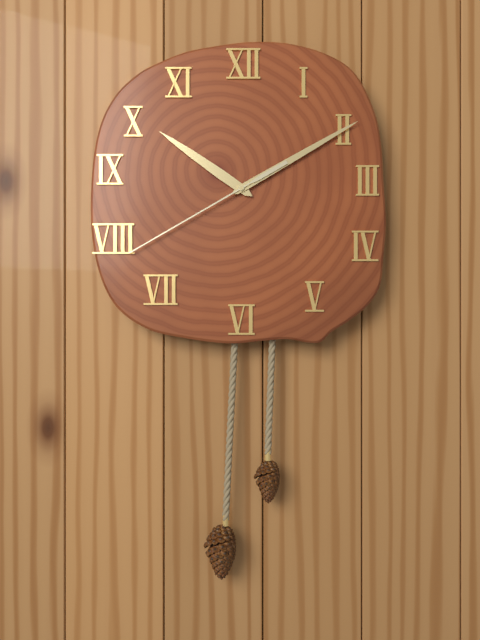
10:10:40
